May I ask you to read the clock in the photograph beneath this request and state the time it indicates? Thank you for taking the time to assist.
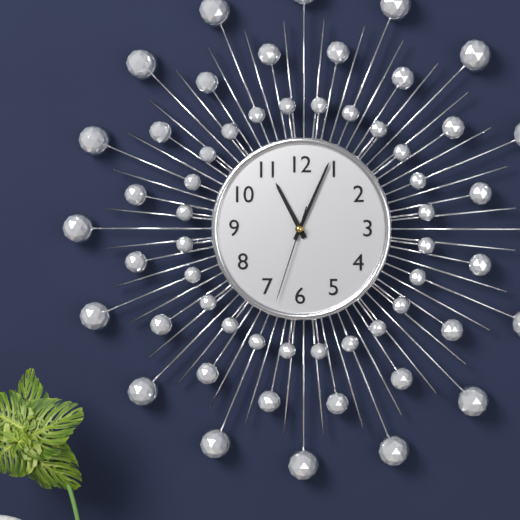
11:04:33
